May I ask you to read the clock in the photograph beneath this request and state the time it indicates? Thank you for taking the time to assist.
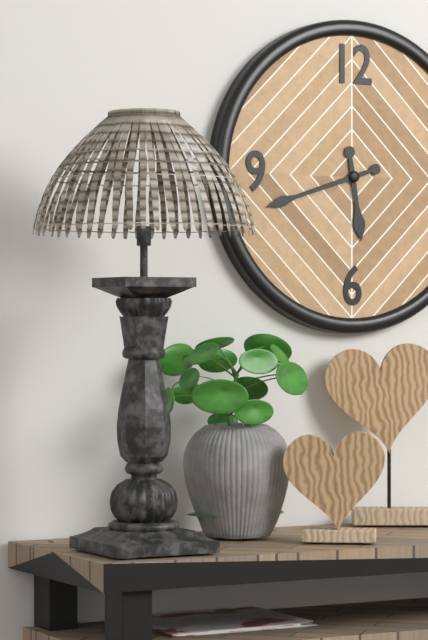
5:42
